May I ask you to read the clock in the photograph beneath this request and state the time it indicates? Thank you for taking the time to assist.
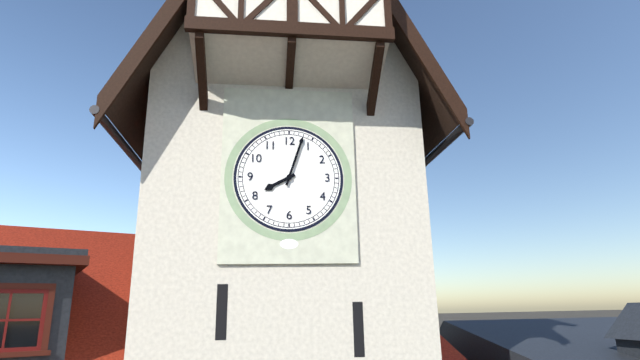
8:03
